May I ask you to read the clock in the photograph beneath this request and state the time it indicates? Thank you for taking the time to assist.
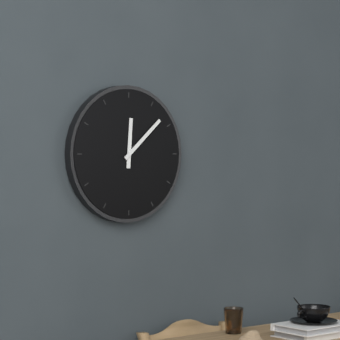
12:08
